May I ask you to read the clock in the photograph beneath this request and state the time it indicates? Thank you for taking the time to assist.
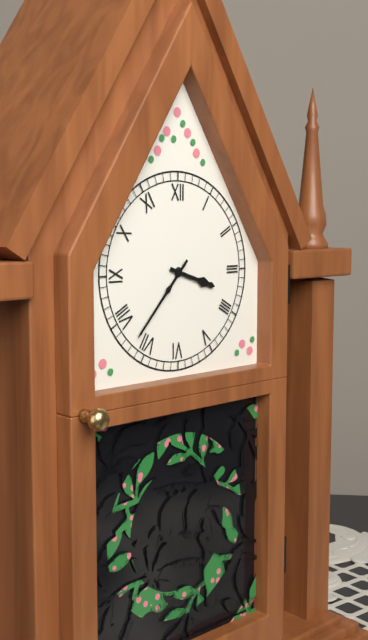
3:37
